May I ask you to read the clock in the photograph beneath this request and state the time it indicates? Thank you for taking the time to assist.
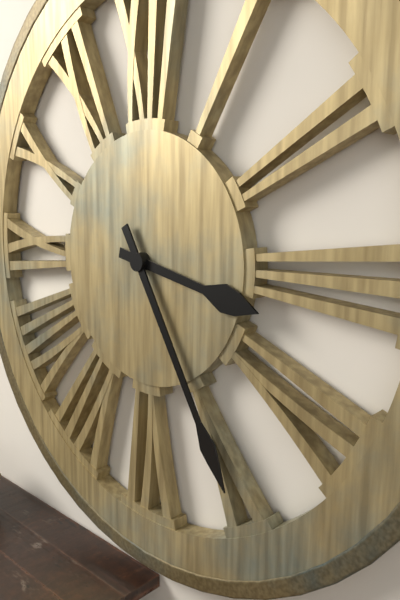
3:25
